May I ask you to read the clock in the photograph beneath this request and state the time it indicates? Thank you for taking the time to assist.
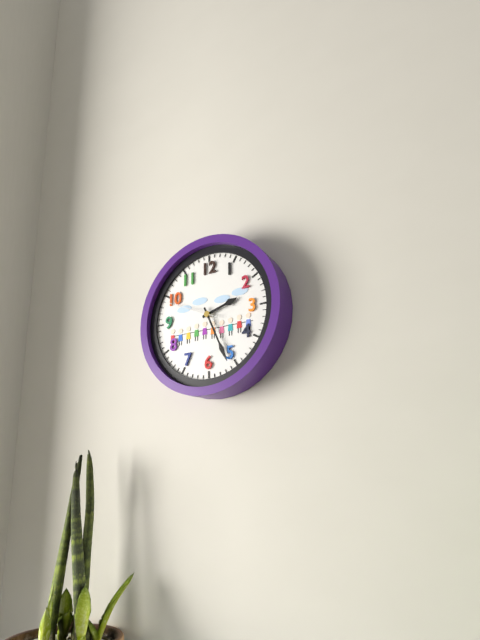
2:26:49
